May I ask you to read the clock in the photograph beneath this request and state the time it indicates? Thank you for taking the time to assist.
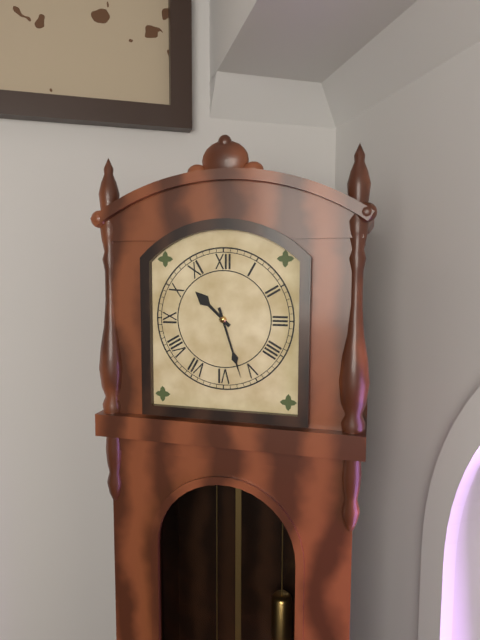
10:27
